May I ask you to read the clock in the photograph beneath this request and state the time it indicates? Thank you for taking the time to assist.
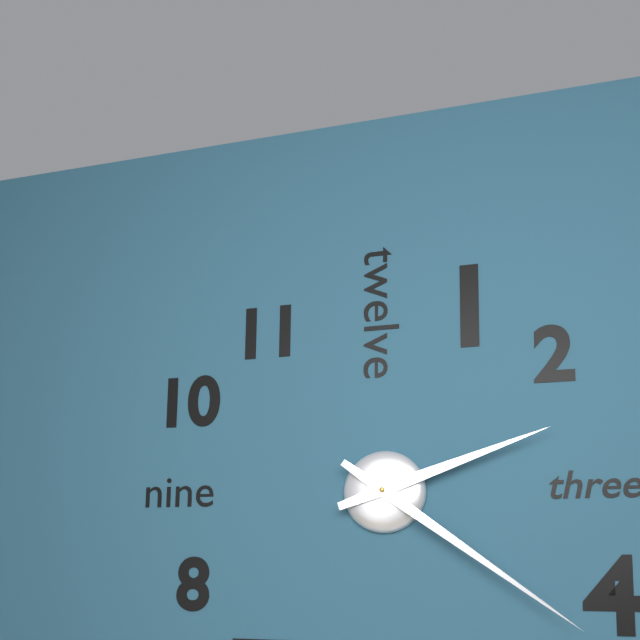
2:21
